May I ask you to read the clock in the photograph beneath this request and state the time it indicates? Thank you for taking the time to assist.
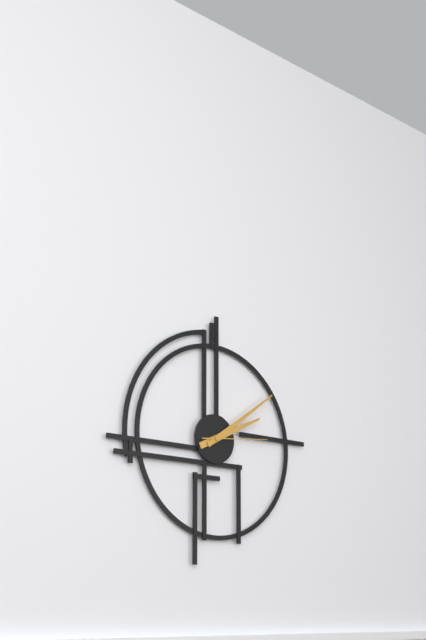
2:09:14
